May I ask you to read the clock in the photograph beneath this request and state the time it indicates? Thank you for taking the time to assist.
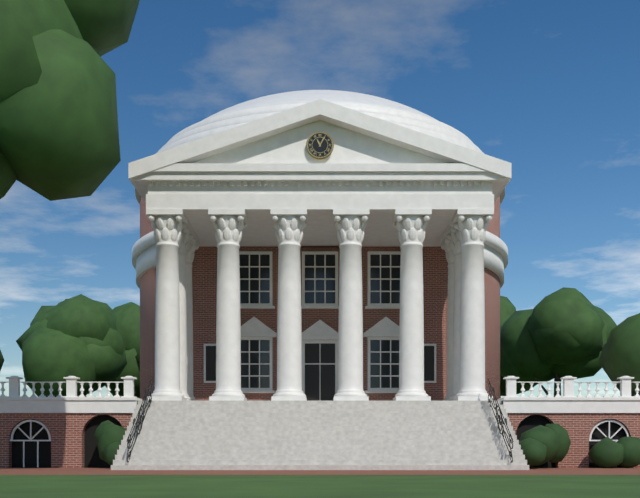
11:05
